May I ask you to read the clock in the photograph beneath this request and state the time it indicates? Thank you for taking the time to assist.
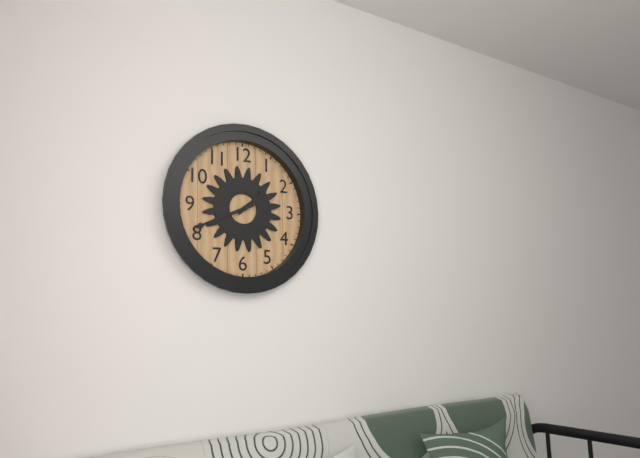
1:41
